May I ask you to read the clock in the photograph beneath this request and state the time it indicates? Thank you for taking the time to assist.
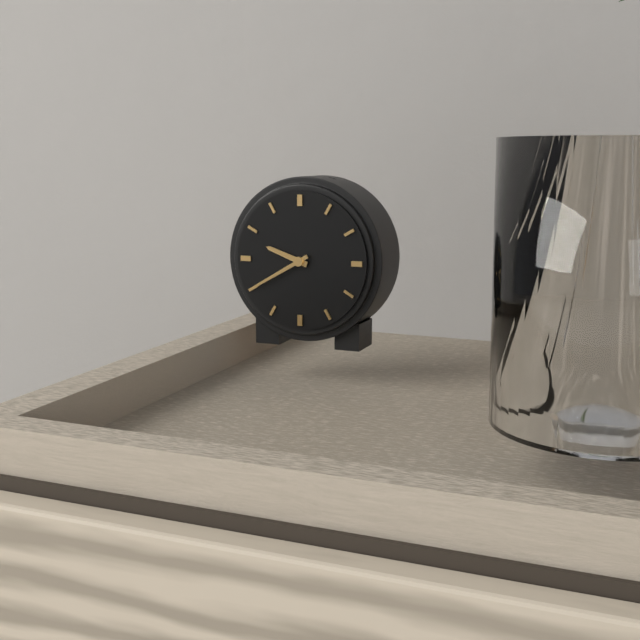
9:40
